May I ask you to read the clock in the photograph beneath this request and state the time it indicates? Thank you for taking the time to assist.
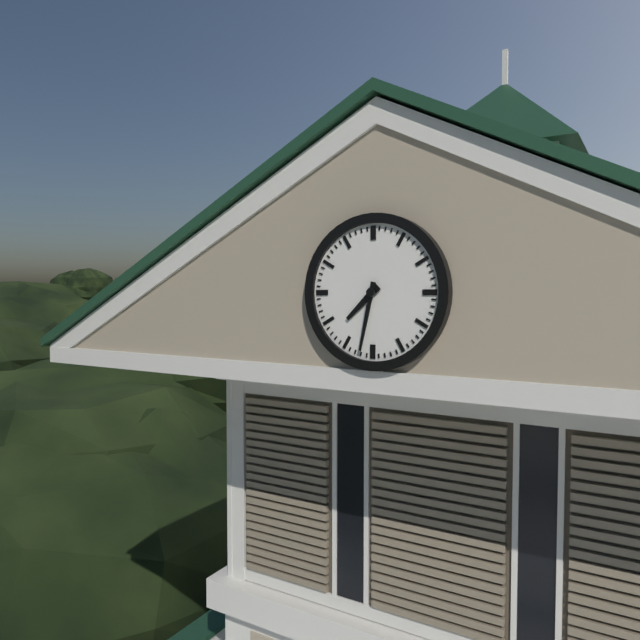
7:32
